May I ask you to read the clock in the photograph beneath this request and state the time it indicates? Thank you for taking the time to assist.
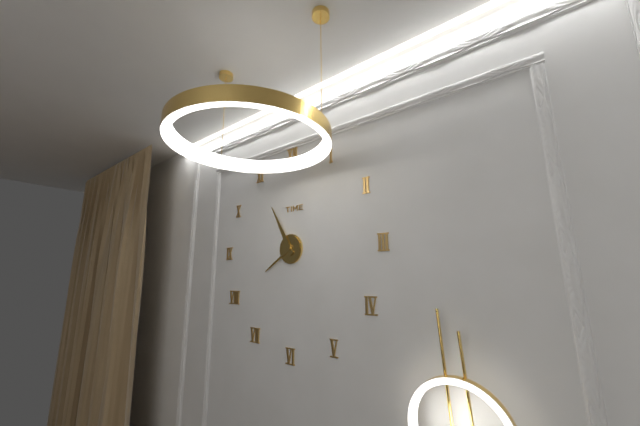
7:55
